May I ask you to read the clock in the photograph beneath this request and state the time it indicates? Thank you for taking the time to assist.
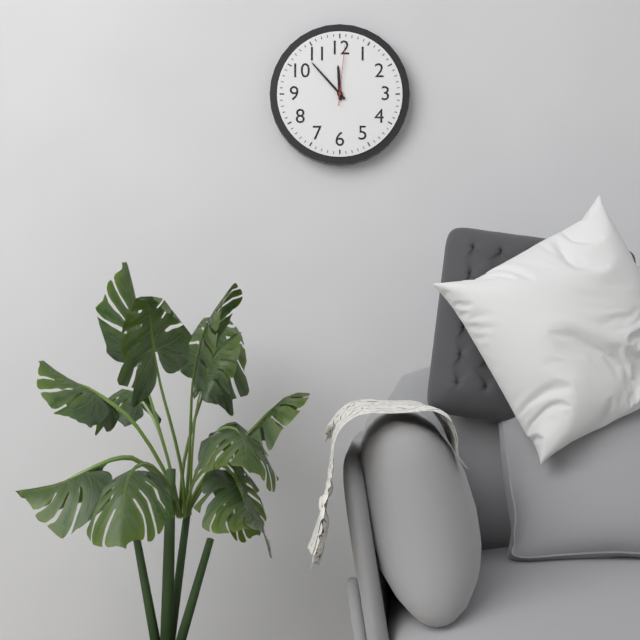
11:53:01
